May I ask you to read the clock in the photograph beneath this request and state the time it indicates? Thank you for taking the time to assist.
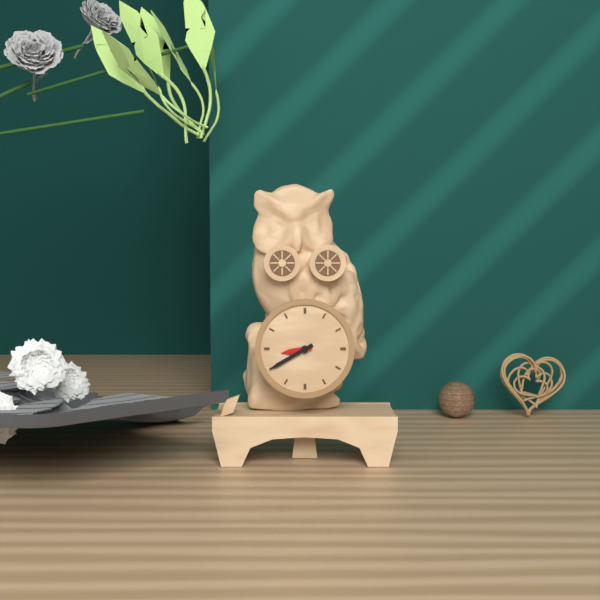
8:40
